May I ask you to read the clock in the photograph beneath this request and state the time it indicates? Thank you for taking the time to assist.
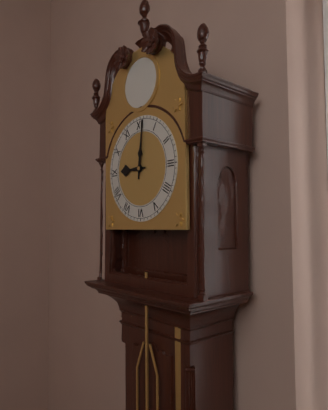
9:01
